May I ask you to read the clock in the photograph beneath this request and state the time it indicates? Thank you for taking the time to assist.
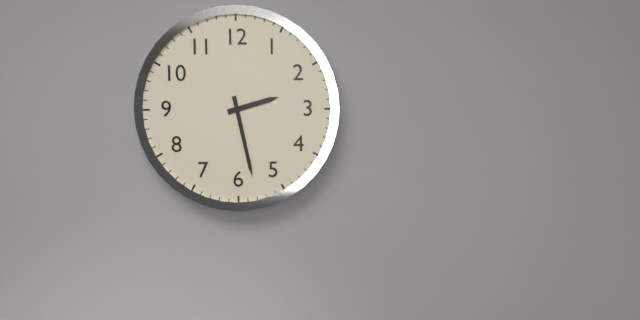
2:28
